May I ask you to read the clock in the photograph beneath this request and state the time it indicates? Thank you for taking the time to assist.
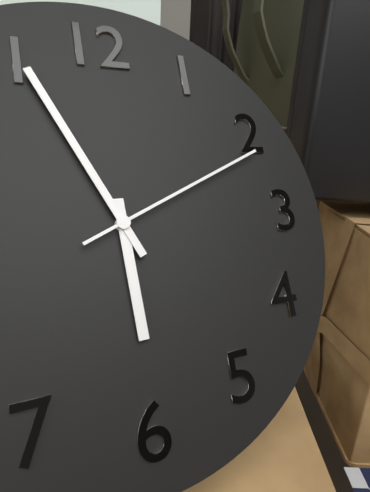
5:56:11
